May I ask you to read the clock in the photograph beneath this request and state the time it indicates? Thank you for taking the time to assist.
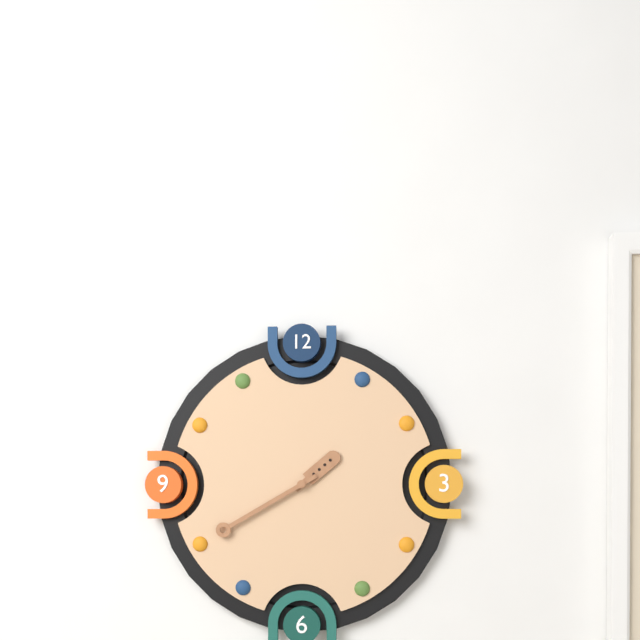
1:40
